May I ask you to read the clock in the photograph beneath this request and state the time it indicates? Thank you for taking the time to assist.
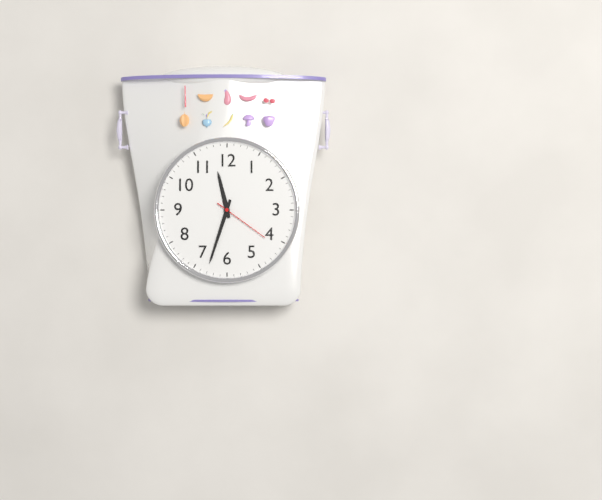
11:33:21
